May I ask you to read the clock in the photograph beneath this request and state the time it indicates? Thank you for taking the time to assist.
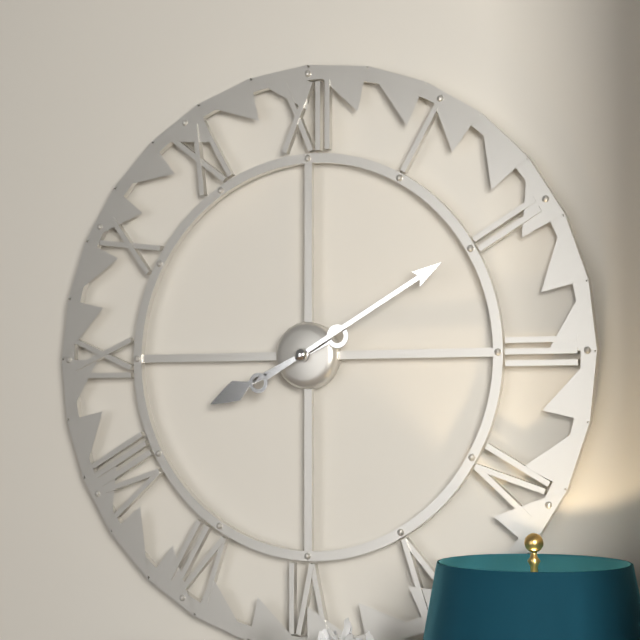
8:10
